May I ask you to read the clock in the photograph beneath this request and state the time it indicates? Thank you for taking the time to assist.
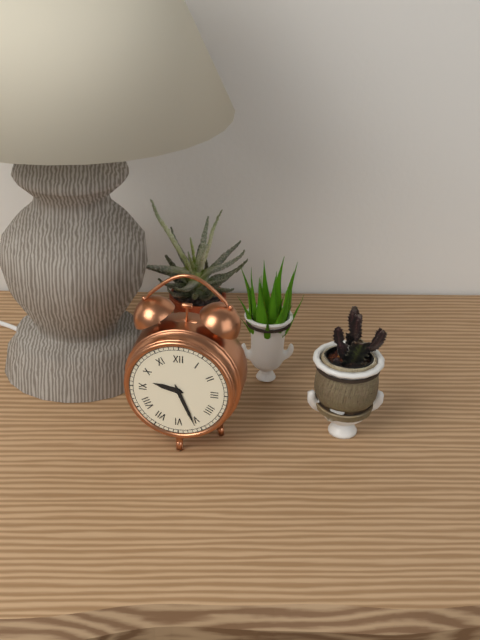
9:26
